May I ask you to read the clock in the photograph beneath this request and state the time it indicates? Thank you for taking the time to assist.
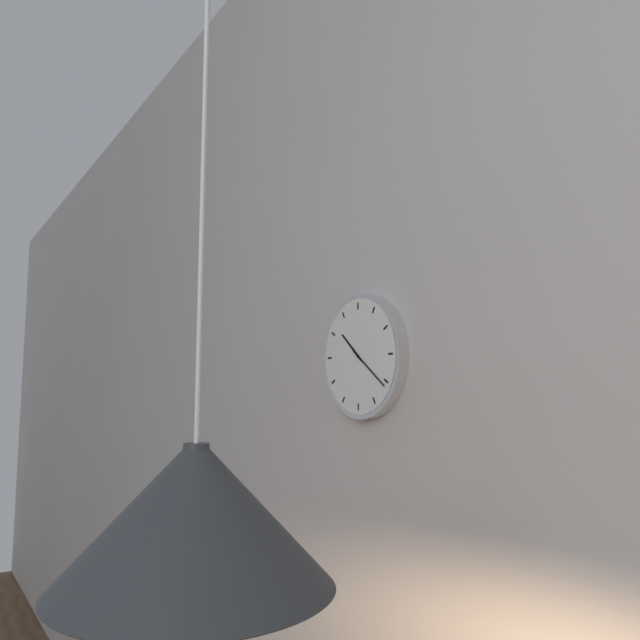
10:21
